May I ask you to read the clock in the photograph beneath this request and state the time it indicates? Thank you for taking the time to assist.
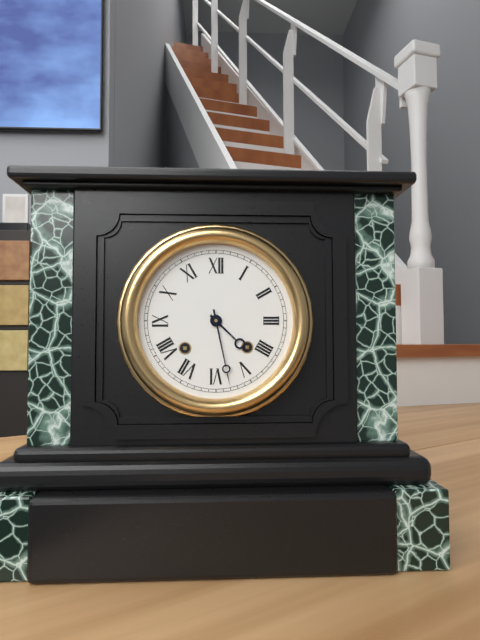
4:28
